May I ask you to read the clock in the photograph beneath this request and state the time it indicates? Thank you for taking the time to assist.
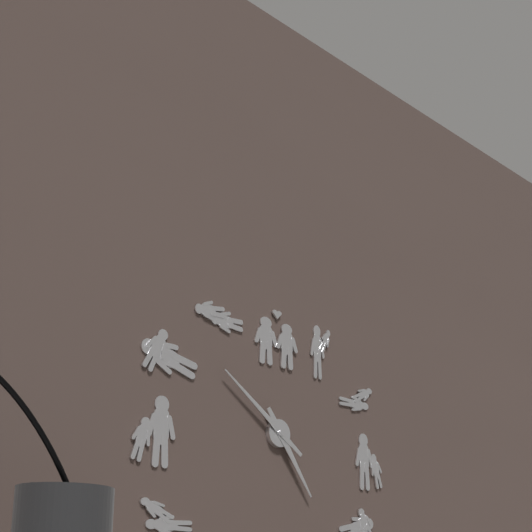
4:51
